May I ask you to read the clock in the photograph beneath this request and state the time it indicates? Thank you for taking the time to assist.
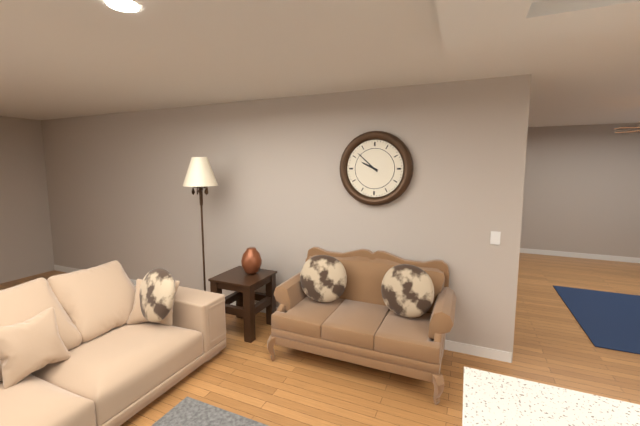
9:52
